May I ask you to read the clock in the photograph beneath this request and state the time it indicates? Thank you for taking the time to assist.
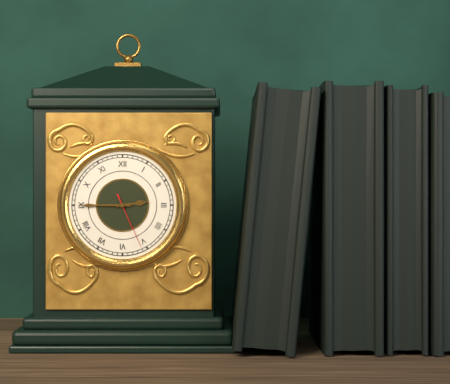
2:45:26
